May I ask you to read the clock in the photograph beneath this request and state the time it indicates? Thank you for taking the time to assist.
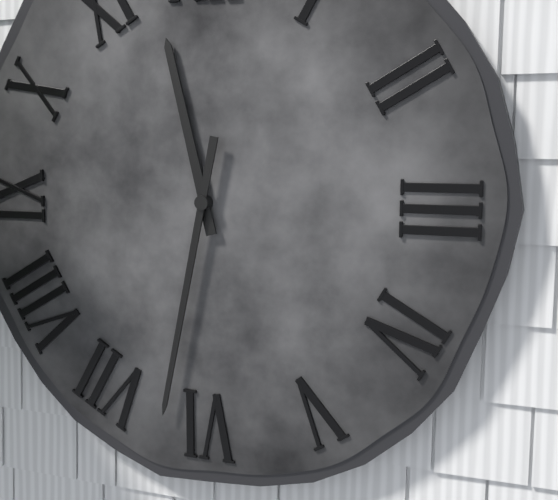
11:32
